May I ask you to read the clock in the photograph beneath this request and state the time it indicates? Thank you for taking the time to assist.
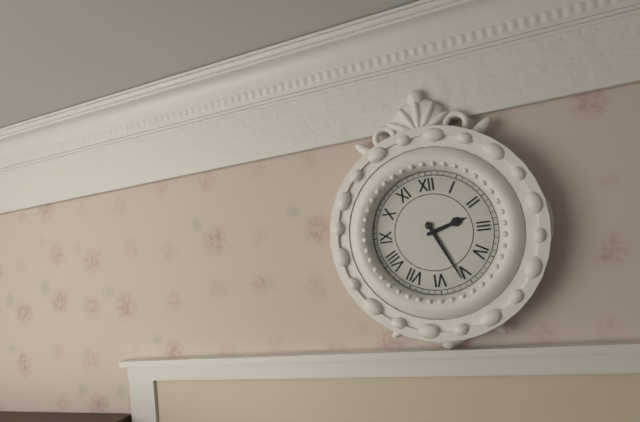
2:26
